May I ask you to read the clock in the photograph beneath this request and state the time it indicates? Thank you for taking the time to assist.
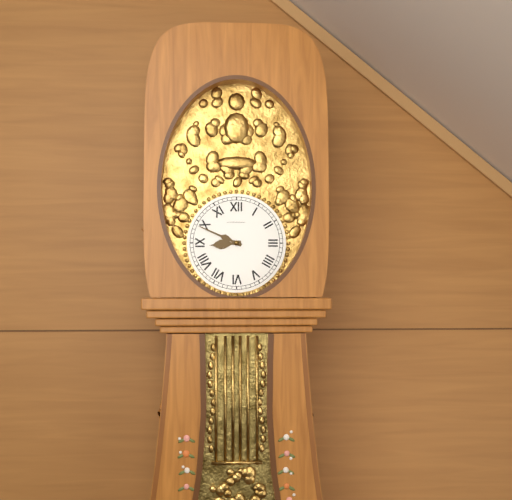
8:49
